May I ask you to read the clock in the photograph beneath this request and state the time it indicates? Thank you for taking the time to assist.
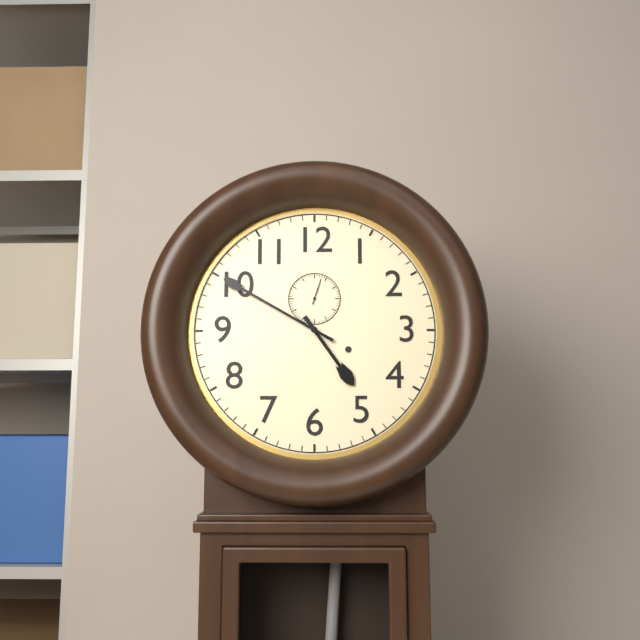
4:50
